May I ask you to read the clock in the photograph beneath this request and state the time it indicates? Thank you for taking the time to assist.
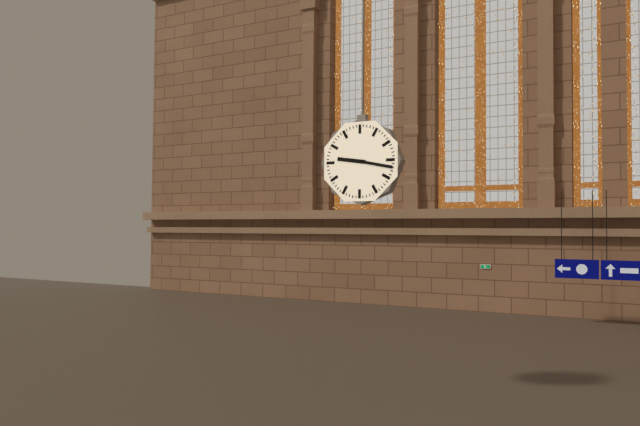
9:17
